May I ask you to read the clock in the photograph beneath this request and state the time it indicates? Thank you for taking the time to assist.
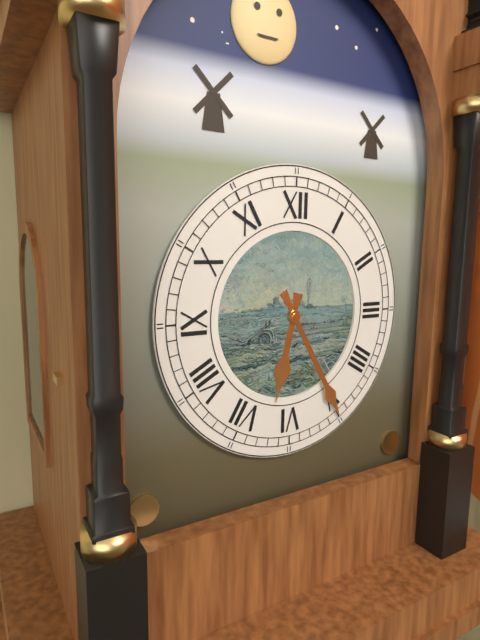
6:25
